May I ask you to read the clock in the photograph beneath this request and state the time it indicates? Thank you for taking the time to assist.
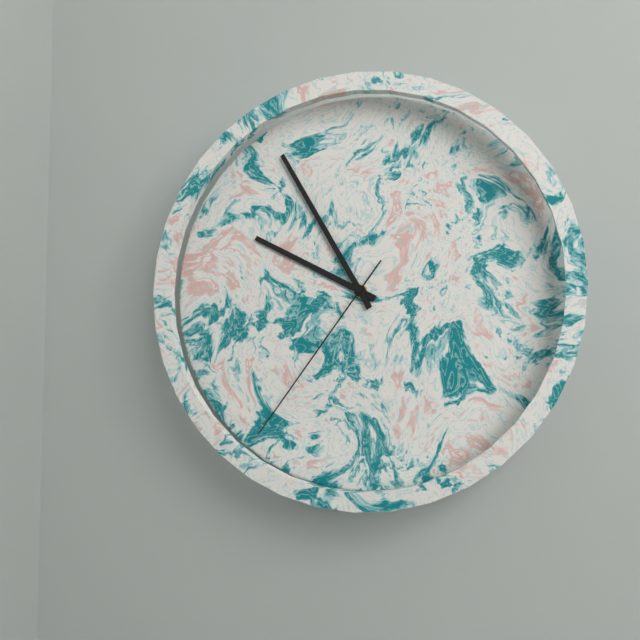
9:55:36
